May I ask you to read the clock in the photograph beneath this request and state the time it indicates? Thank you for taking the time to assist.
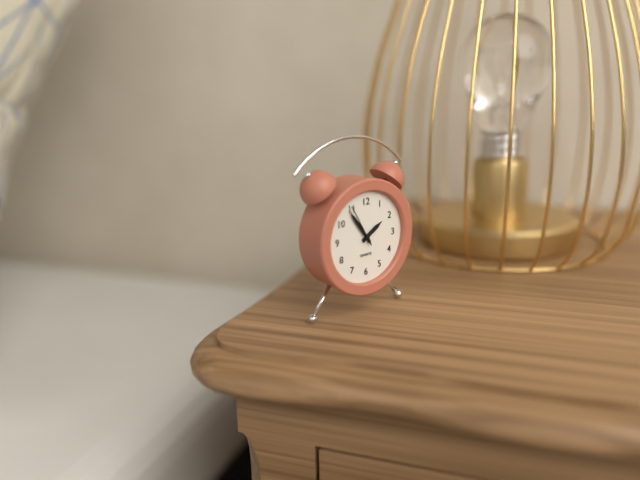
1:54
